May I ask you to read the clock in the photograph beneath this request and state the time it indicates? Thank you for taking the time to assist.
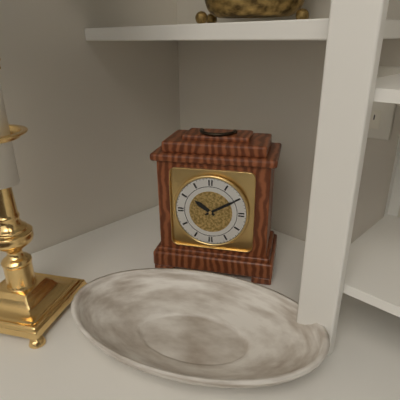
10:10
